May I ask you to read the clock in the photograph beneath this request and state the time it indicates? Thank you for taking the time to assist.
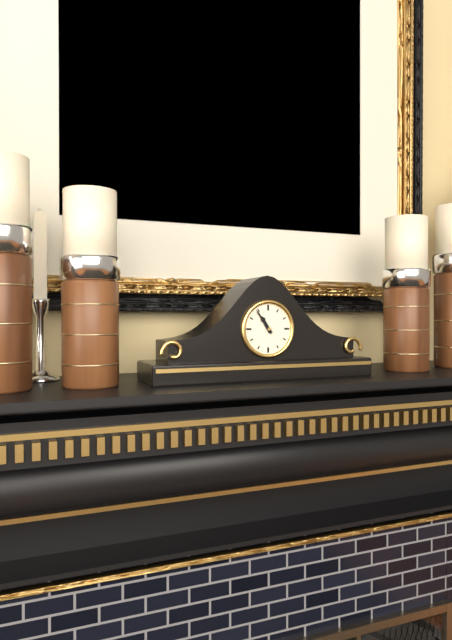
10:54
